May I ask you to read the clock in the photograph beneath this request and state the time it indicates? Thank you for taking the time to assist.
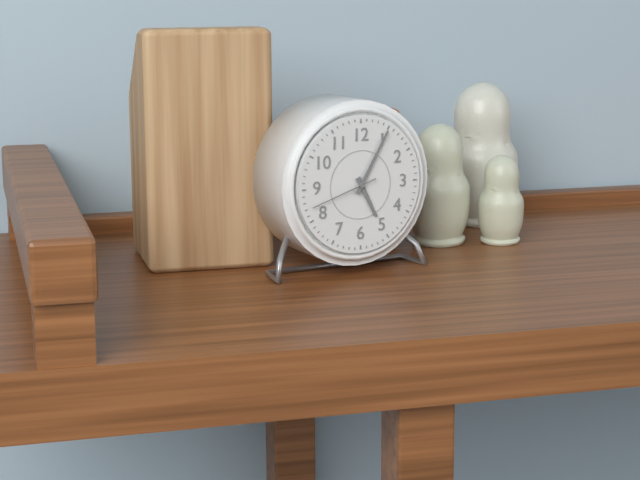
5:05:42
